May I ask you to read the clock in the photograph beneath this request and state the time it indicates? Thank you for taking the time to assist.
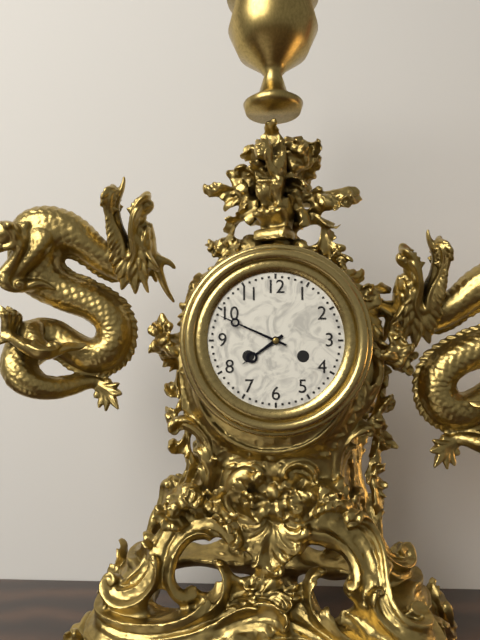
7:49
